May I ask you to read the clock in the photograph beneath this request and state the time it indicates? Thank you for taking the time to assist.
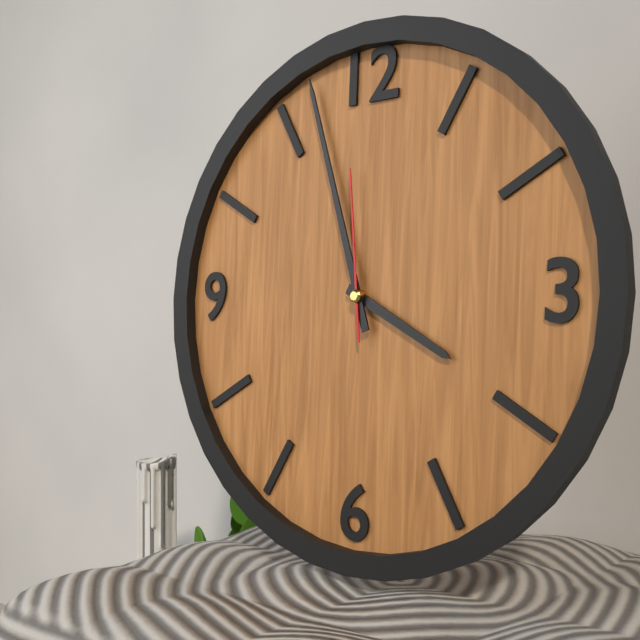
3:57:59
